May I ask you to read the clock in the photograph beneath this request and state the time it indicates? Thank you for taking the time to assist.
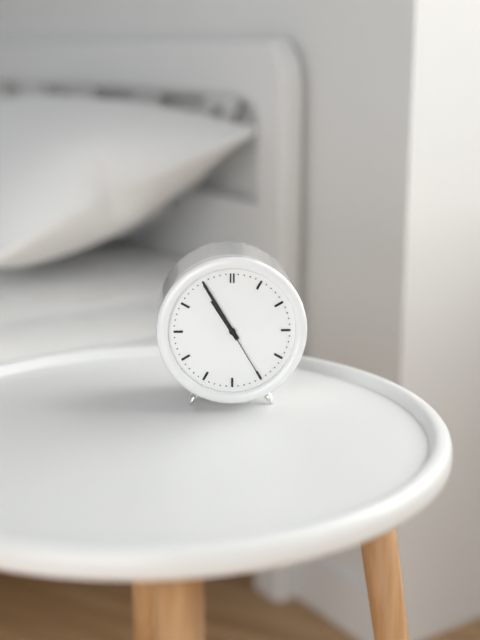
10:55:25
